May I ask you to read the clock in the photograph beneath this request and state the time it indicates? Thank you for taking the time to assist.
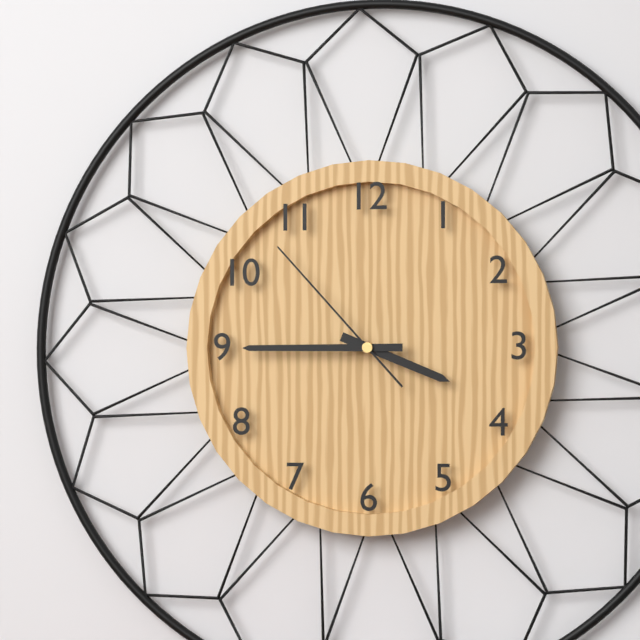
3:45:53
